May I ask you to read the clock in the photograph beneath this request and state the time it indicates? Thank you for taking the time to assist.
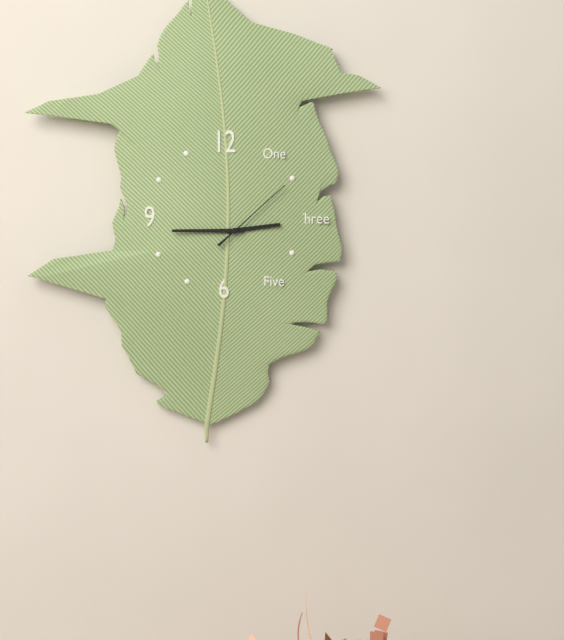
2:45:08
